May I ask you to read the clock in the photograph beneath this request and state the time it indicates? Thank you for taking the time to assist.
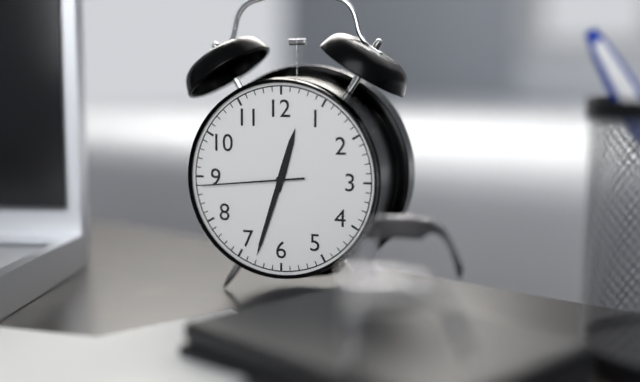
12:33:44
